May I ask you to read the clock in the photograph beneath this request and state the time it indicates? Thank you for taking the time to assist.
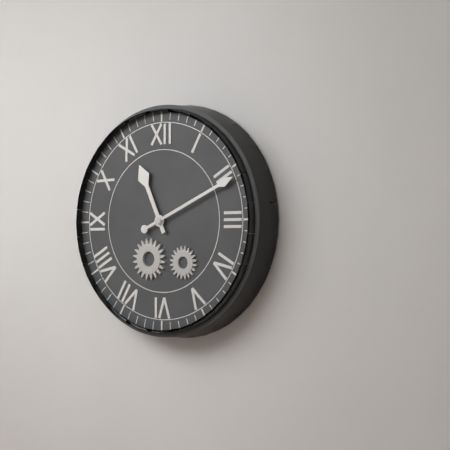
11:11
